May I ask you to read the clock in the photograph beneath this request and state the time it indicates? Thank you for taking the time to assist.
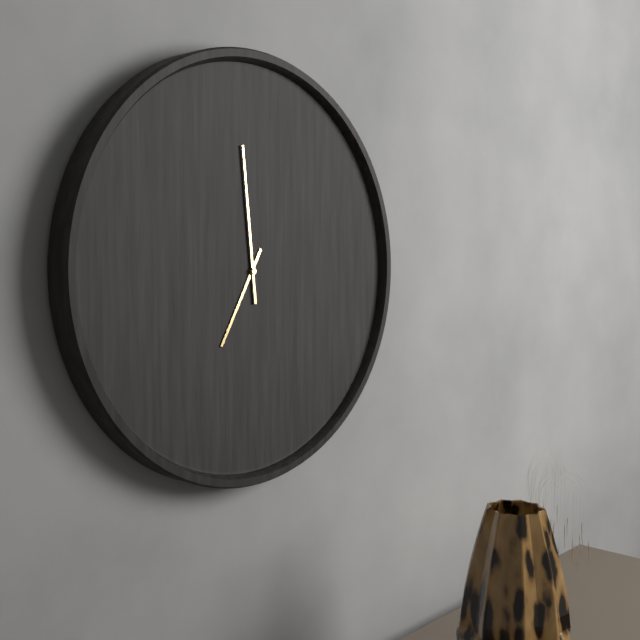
6:59
